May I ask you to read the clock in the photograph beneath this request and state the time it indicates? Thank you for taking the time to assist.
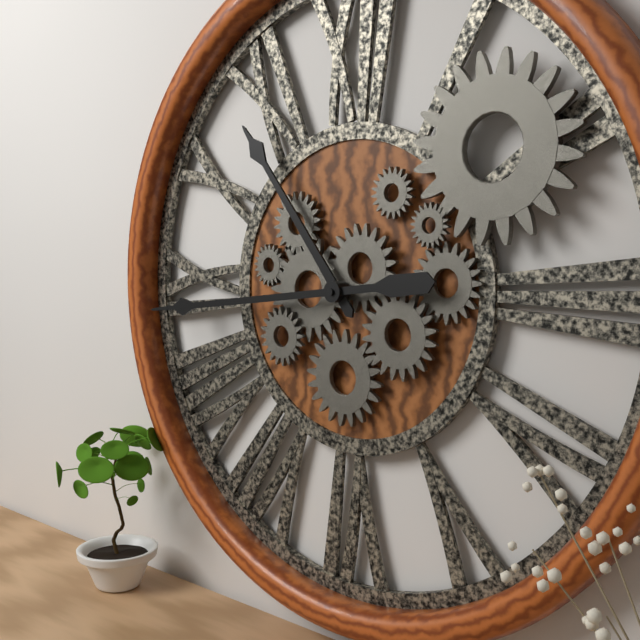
10:44
